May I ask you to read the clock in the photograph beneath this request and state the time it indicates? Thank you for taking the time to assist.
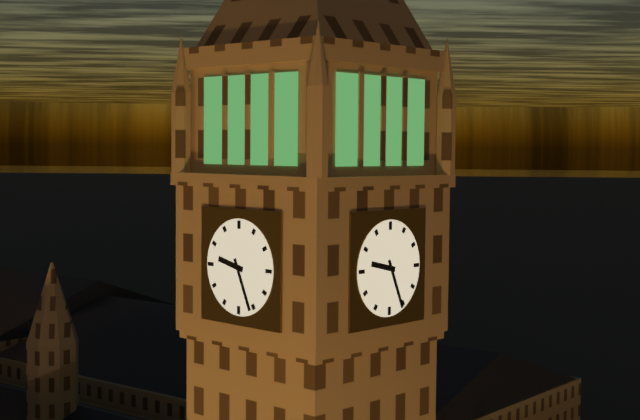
9:26
